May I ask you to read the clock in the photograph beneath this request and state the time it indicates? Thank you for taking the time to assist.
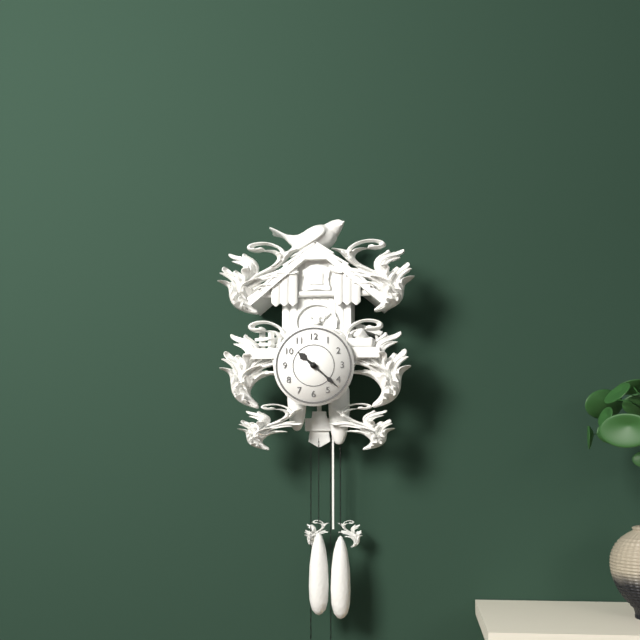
10:22
